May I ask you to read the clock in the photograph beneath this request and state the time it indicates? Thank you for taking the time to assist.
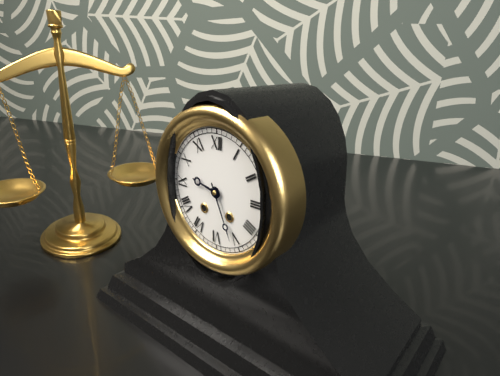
9:26
